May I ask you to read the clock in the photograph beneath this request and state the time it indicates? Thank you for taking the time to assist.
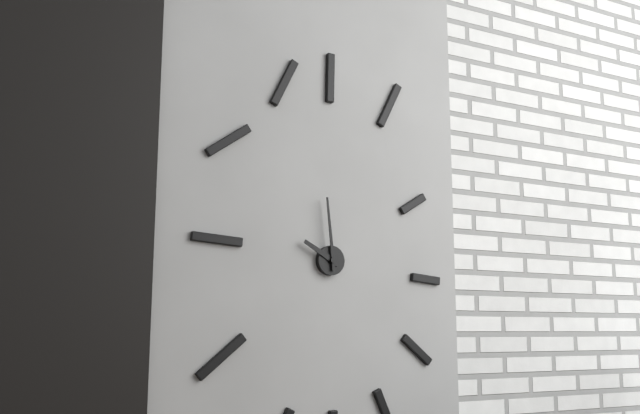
9:59
